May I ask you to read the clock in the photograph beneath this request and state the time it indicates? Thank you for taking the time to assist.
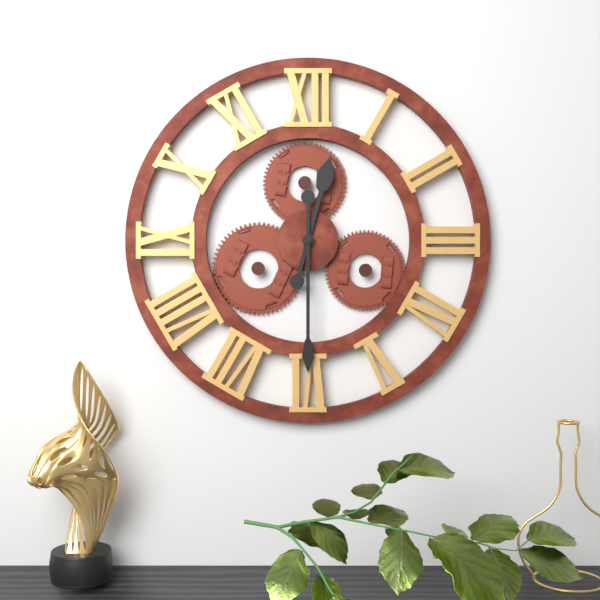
12:30
